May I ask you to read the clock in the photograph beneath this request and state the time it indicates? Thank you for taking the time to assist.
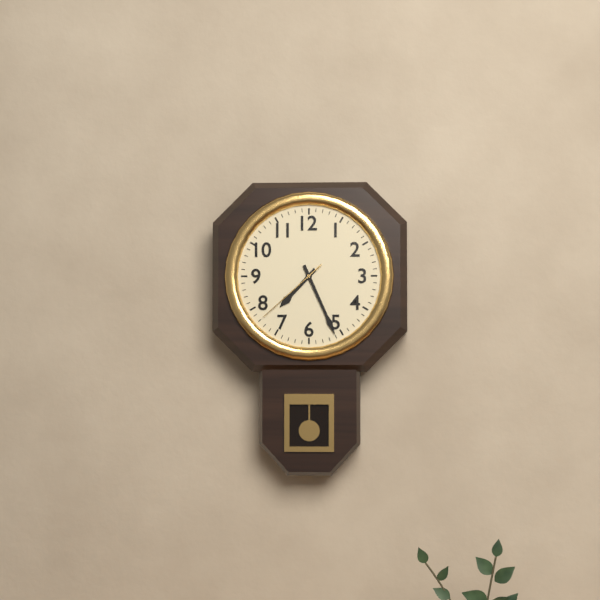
7:26:38
